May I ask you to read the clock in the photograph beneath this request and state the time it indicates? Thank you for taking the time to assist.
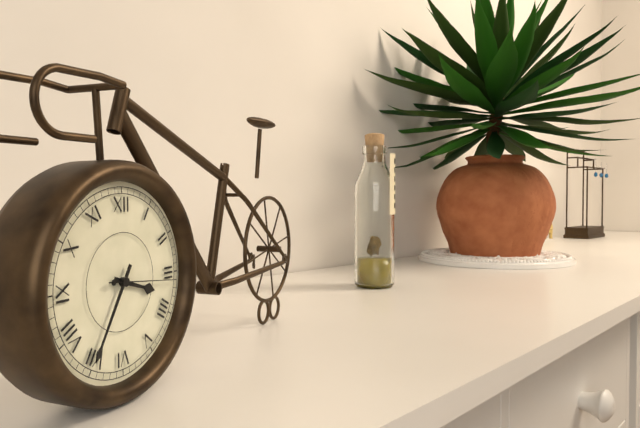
3:35:16
